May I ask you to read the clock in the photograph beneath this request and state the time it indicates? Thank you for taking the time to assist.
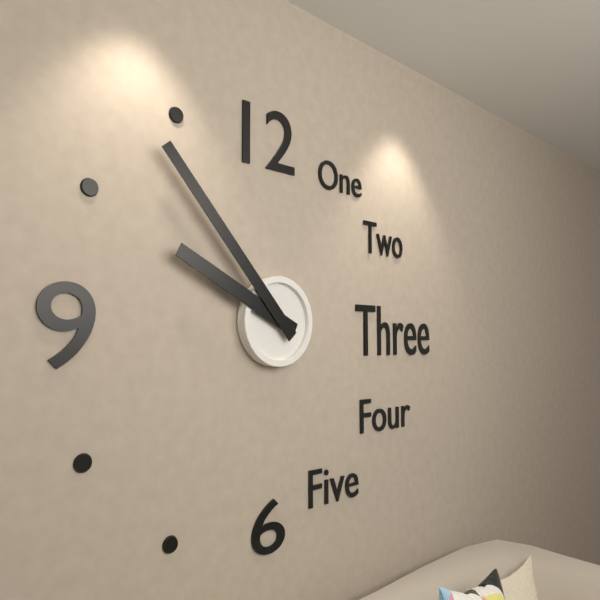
9:53
